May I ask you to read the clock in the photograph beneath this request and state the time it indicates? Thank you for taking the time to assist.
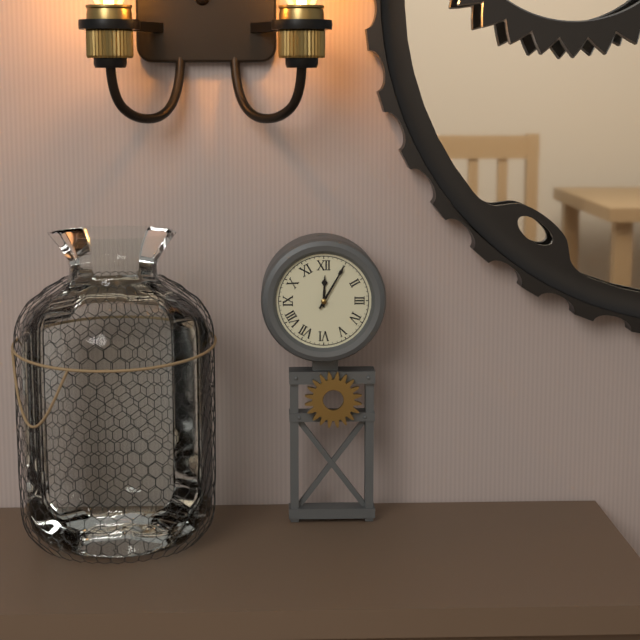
12:05
